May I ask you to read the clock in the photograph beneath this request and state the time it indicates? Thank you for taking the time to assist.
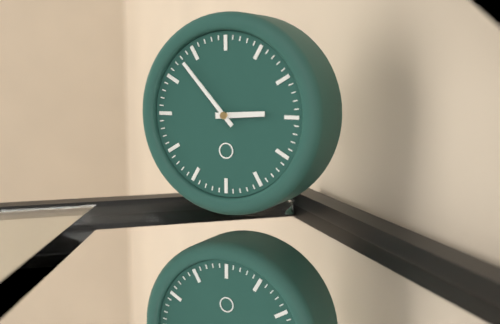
2:53
